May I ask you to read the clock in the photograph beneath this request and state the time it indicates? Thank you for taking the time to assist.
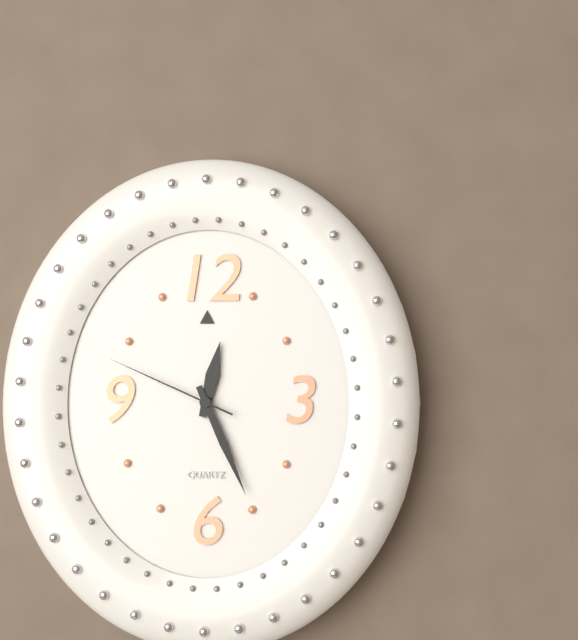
12:26:49
